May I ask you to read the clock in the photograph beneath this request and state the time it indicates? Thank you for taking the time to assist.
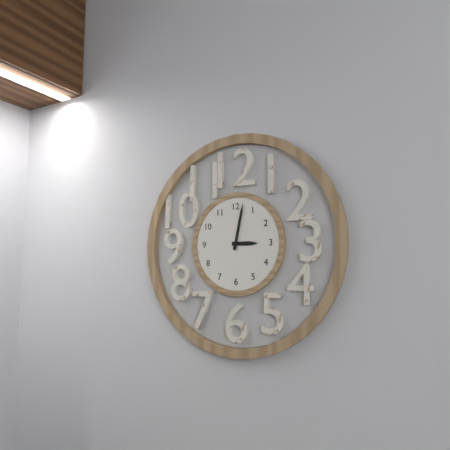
3:02
